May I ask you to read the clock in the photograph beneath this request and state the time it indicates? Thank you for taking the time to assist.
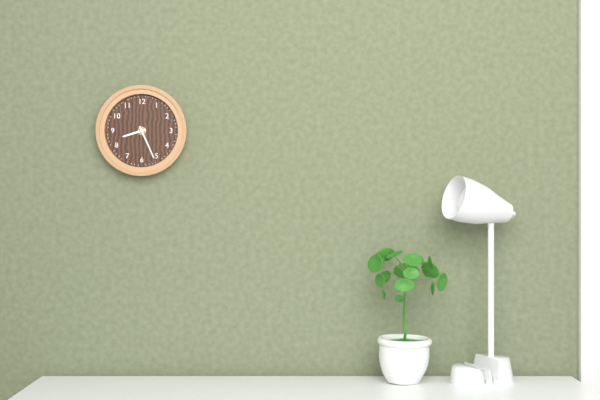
8:26
